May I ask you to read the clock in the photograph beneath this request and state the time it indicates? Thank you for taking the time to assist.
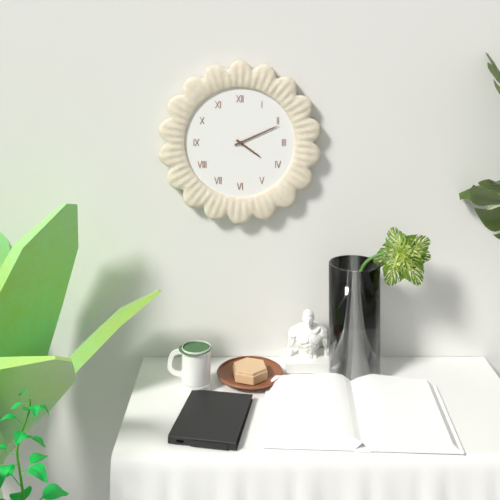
4:11
